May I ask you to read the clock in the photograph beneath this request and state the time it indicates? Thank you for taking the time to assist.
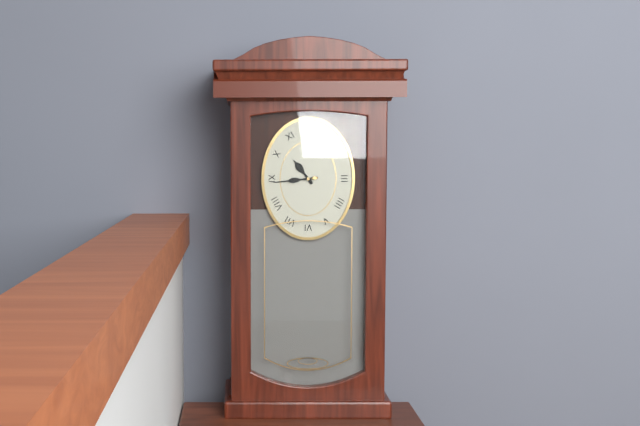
10:44
